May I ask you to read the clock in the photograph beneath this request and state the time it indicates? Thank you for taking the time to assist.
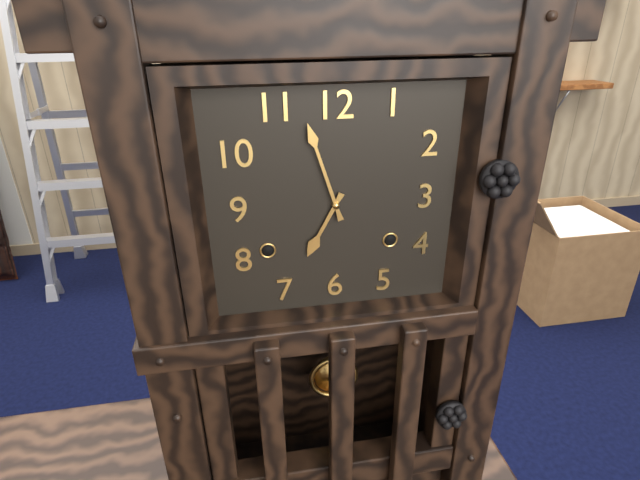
6:57
